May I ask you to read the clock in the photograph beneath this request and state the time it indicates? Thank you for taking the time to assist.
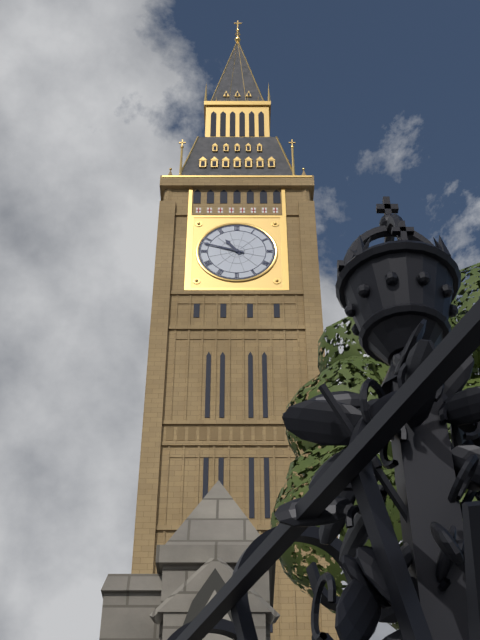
10:48
